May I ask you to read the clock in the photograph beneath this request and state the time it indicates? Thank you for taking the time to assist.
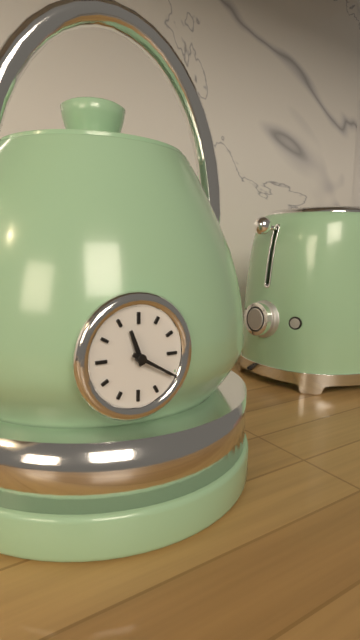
11:20
